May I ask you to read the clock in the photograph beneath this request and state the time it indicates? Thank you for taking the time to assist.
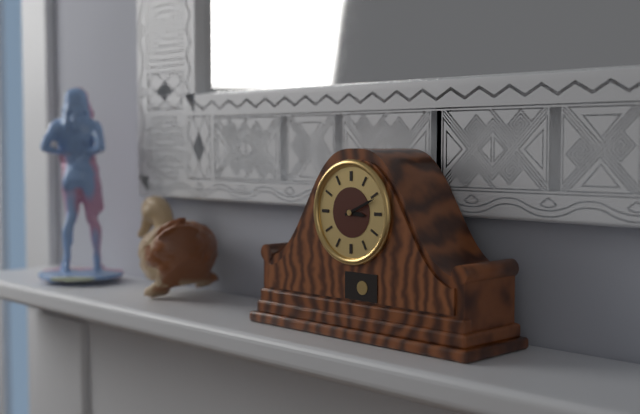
3:11
